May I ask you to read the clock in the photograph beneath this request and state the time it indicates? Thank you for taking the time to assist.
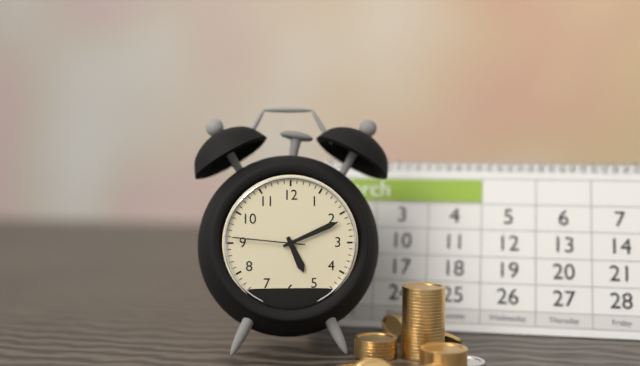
5:11:46
